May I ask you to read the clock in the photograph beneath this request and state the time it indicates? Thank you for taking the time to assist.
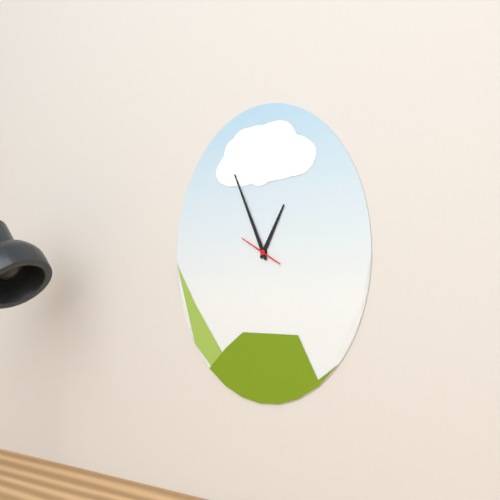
12:56
